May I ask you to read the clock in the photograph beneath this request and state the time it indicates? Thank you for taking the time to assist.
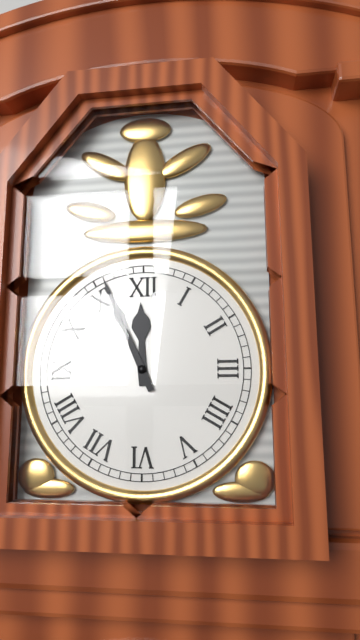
11:56
